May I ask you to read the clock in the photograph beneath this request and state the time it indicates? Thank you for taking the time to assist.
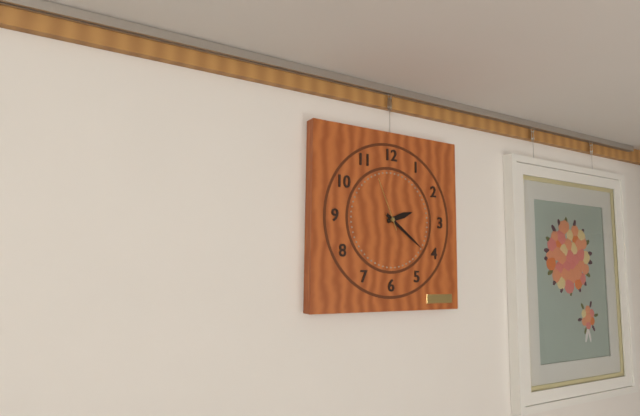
2:21:56
